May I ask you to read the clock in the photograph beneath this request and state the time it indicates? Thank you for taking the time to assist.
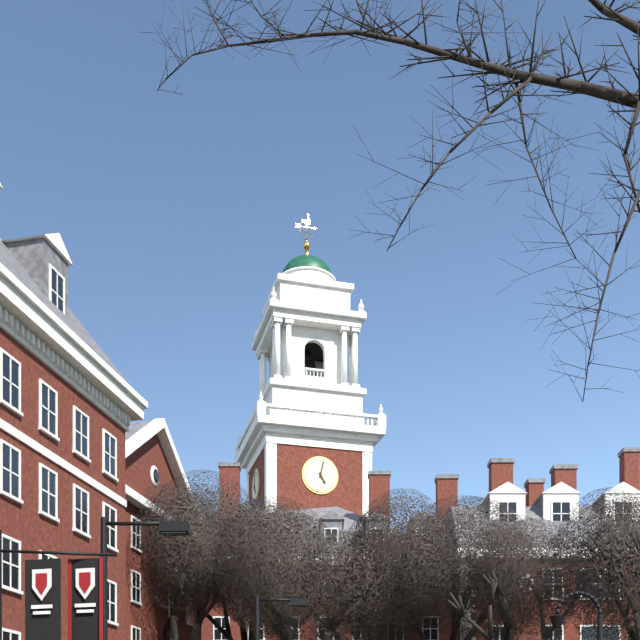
5:02
